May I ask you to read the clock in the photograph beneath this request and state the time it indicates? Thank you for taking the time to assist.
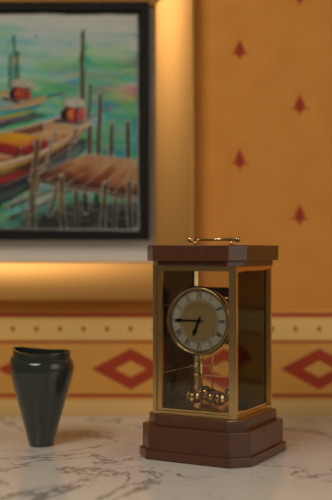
6:45
